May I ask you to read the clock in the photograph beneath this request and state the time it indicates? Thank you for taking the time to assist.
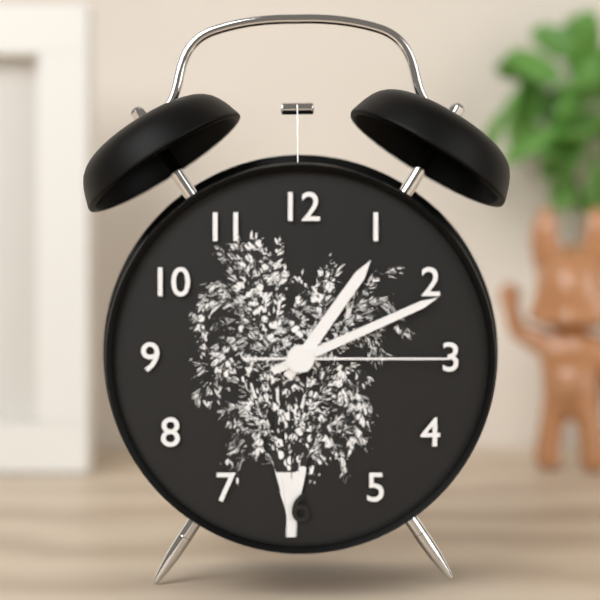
1:11:15
